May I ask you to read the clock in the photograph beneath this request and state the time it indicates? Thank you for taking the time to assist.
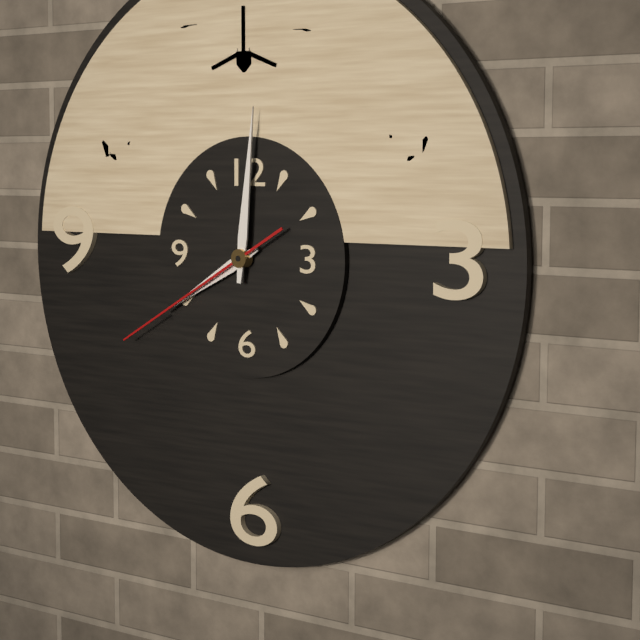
8:01:40
